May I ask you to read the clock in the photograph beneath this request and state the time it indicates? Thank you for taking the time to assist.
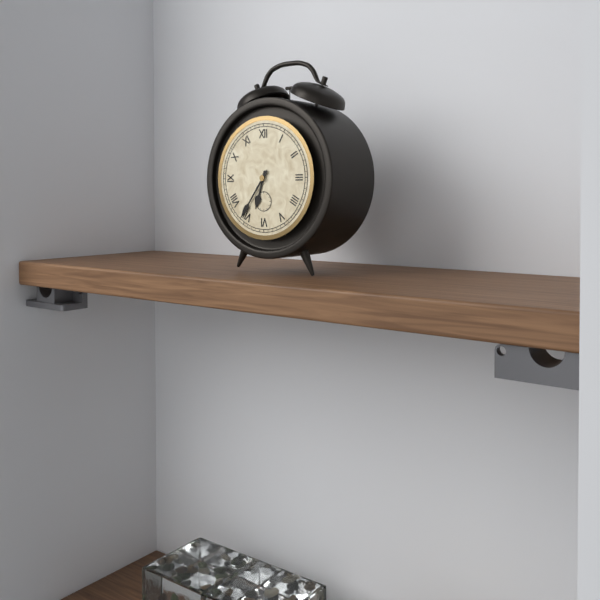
6:36
